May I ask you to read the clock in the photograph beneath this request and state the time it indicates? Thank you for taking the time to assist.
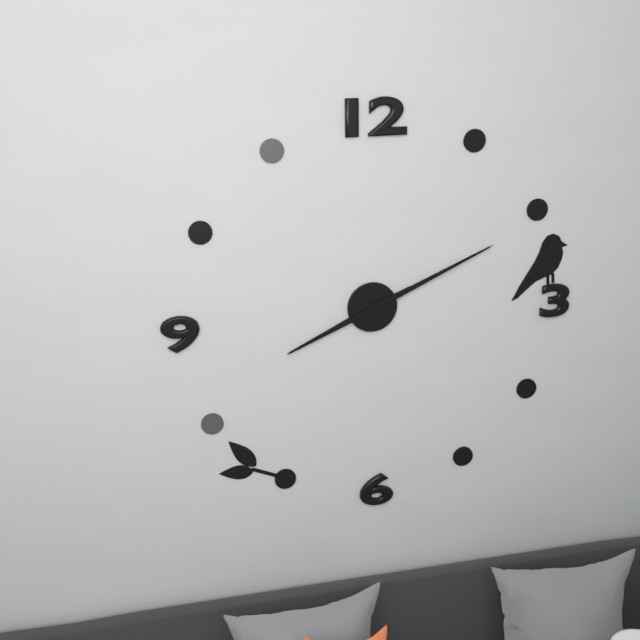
8:11
